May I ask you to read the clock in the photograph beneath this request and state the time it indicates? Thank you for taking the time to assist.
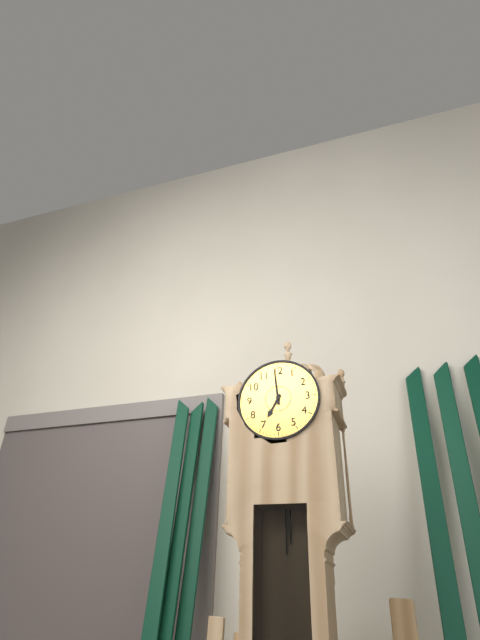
6:59
